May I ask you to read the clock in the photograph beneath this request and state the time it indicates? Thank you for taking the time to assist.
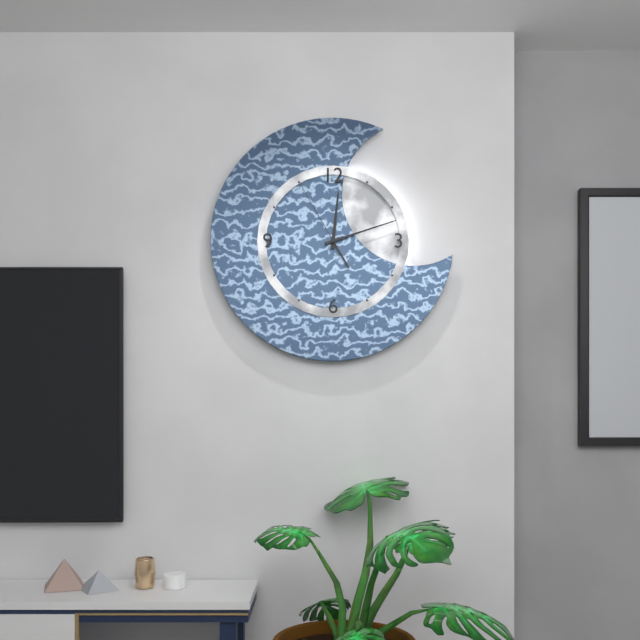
12:12:55
